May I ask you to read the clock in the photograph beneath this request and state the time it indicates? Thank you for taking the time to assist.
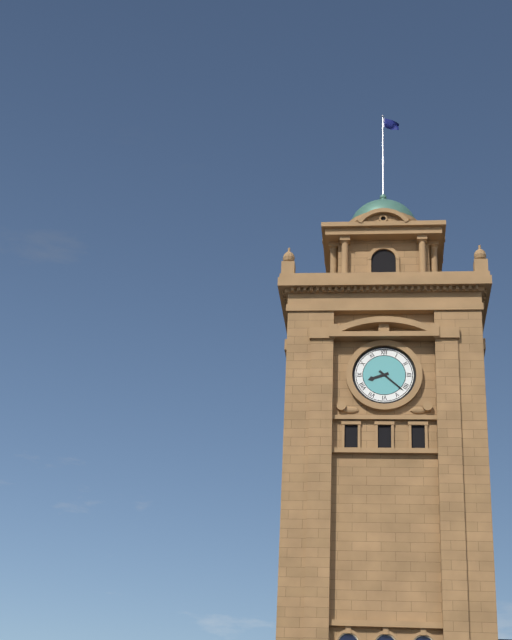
8:22
